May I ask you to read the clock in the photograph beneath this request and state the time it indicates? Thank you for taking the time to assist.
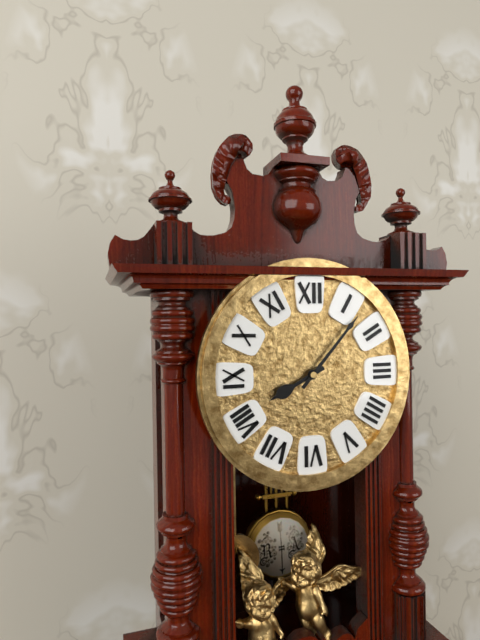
8:07
